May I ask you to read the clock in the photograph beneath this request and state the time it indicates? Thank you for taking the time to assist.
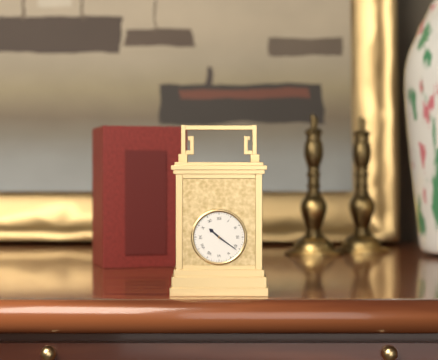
10:21
